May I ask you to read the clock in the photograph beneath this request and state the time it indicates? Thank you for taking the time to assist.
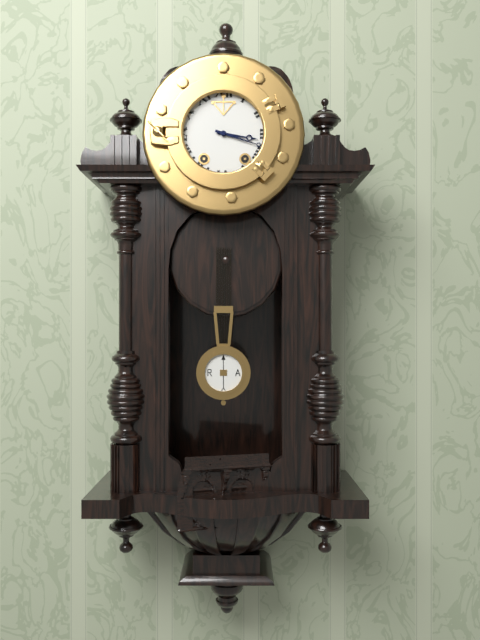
3:18
